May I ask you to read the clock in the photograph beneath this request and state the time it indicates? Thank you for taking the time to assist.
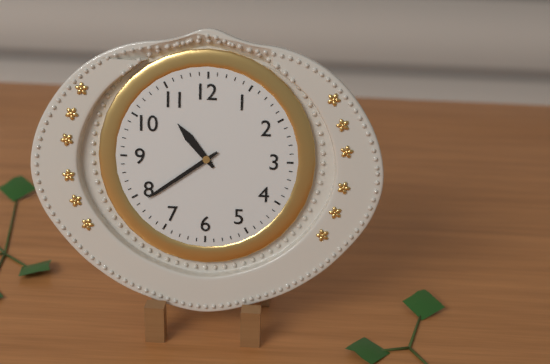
10:39
